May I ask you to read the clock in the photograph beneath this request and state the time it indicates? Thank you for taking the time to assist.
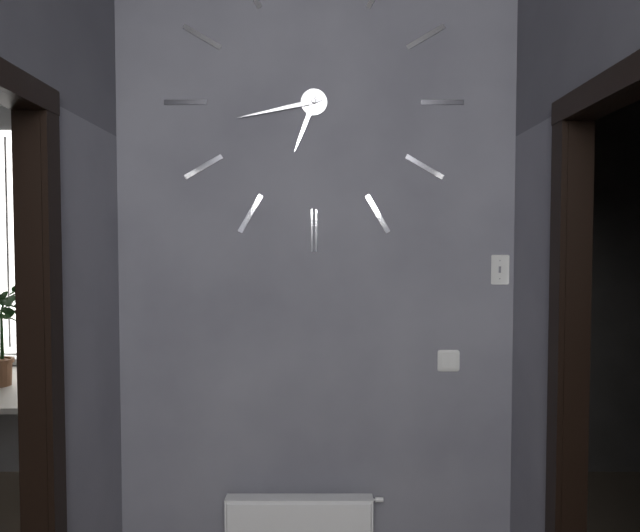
6:43
